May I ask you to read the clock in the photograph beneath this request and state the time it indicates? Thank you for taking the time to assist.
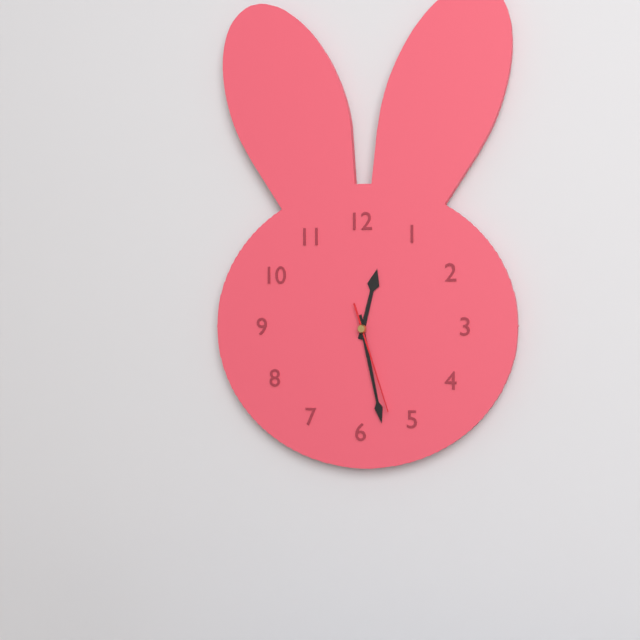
12:28:27
